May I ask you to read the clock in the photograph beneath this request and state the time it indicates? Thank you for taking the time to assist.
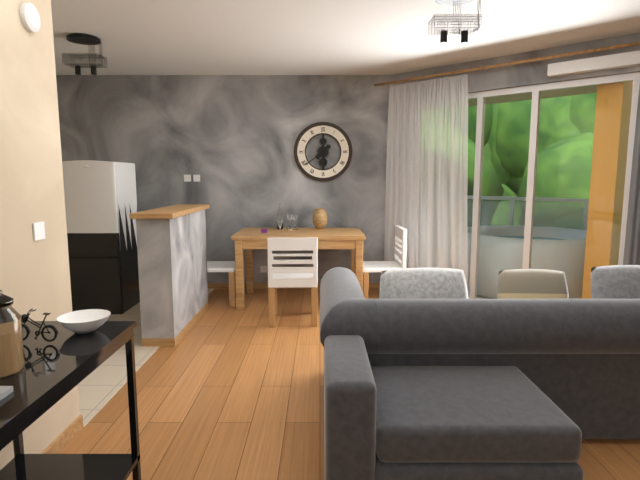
5:39
